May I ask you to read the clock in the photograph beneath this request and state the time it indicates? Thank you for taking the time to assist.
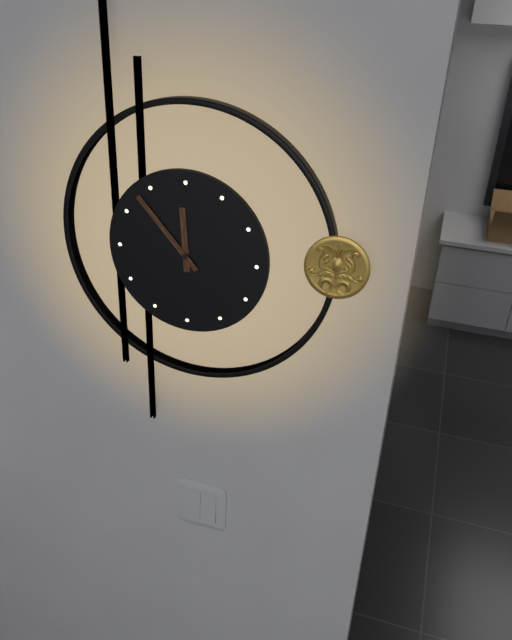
11:53
